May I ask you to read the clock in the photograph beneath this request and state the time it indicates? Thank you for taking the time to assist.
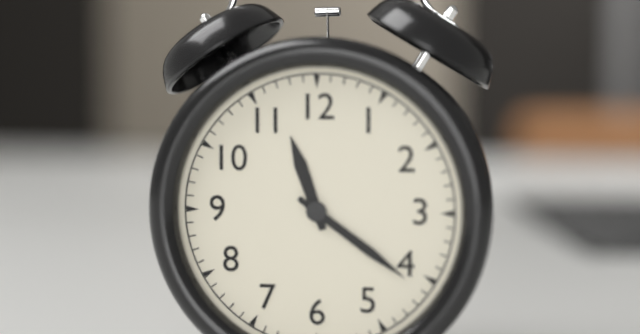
11:21
